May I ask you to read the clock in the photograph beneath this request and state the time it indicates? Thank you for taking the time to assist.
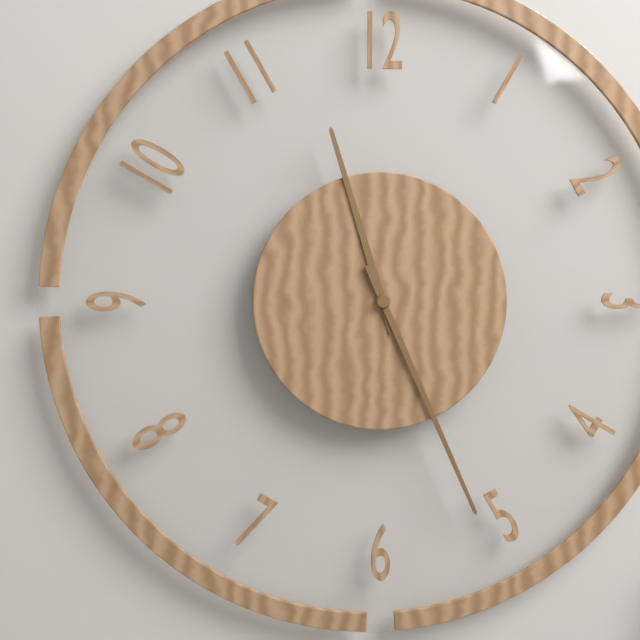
11:26
